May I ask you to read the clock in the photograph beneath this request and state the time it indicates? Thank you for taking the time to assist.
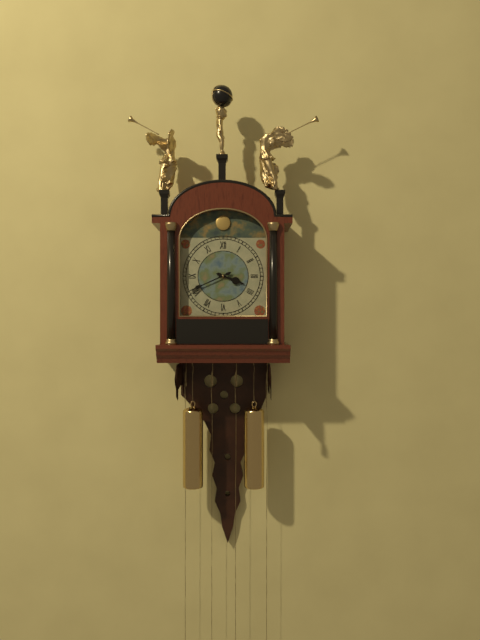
3:41
